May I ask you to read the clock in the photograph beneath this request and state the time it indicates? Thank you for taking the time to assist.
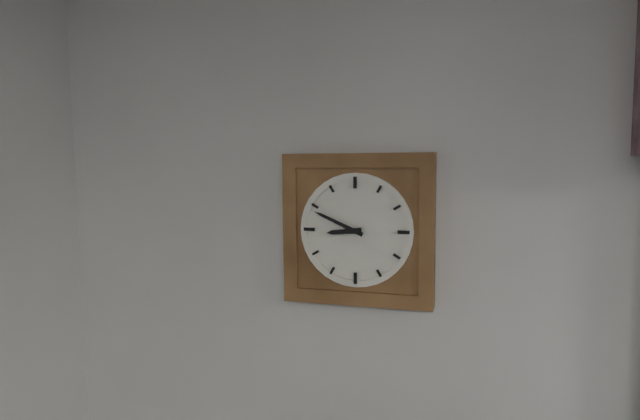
8:49
